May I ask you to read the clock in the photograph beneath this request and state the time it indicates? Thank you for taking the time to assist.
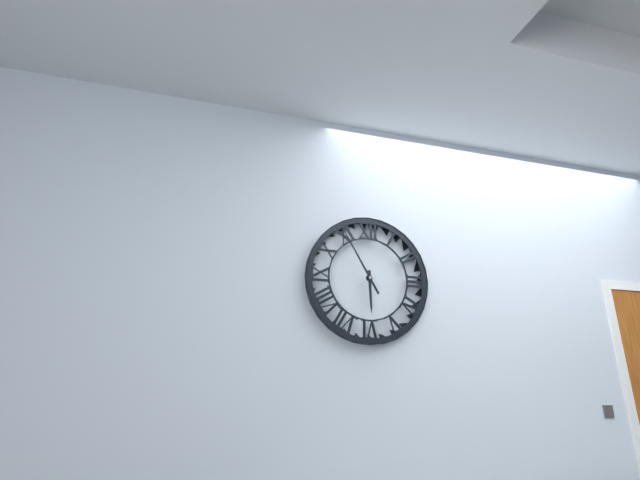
5:55
